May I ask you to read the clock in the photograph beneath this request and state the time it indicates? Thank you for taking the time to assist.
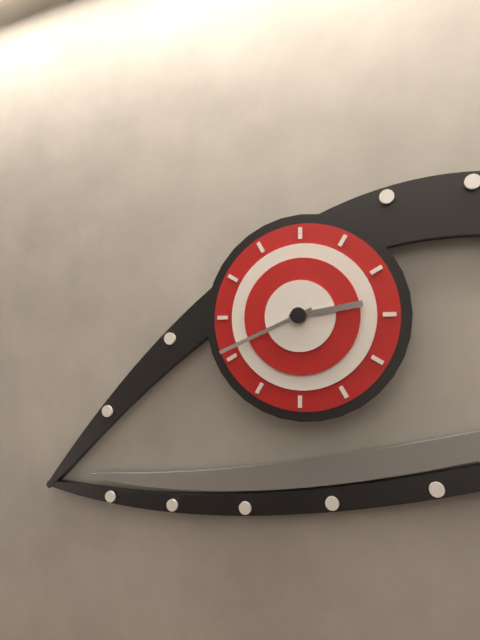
2:41
